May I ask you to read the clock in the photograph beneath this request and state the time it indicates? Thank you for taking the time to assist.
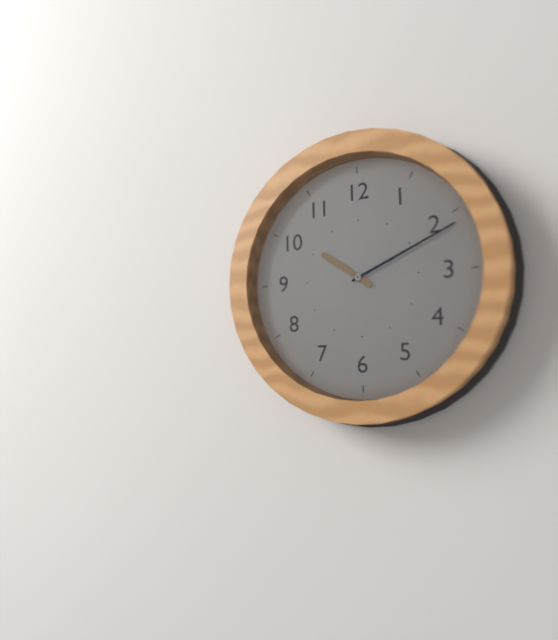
10:11
